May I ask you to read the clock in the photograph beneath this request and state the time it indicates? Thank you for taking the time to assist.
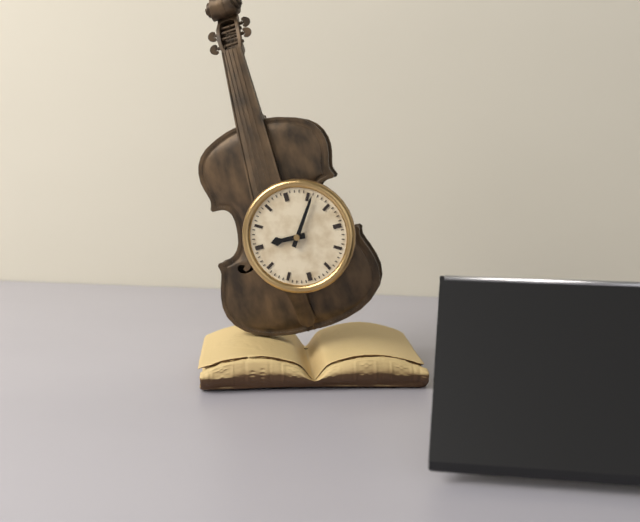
9:06
